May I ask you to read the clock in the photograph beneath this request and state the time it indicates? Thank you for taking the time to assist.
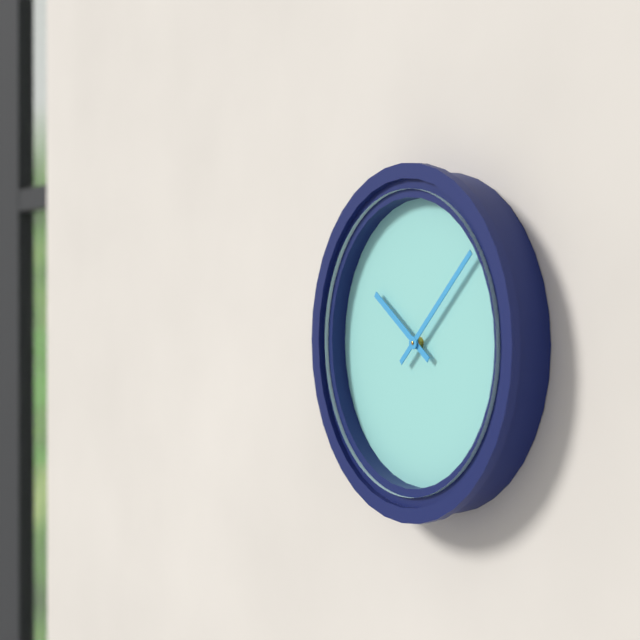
10:08
